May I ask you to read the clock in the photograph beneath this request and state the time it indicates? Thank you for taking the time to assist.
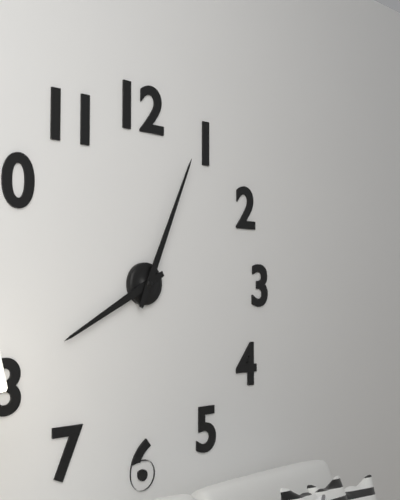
8:04
